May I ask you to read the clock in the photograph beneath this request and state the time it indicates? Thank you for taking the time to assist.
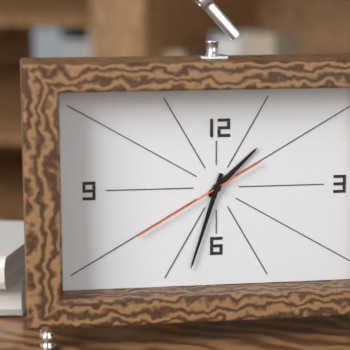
1:33:40
